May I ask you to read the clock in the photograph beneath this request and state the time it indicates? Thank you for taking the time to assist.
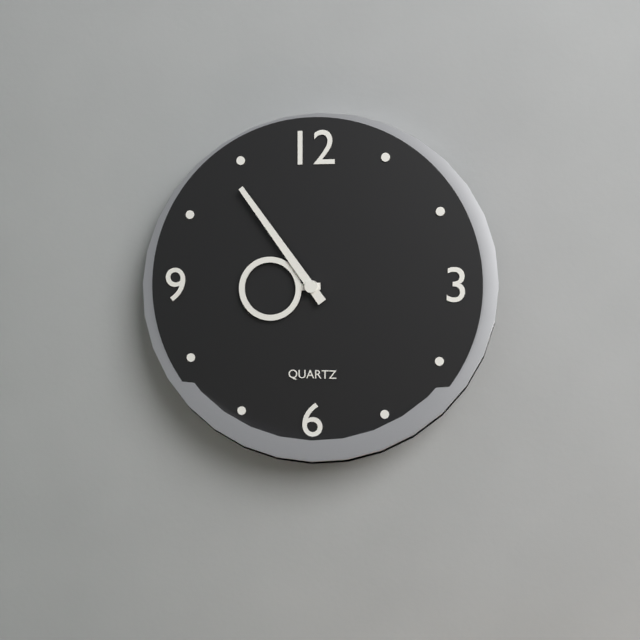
8:54
